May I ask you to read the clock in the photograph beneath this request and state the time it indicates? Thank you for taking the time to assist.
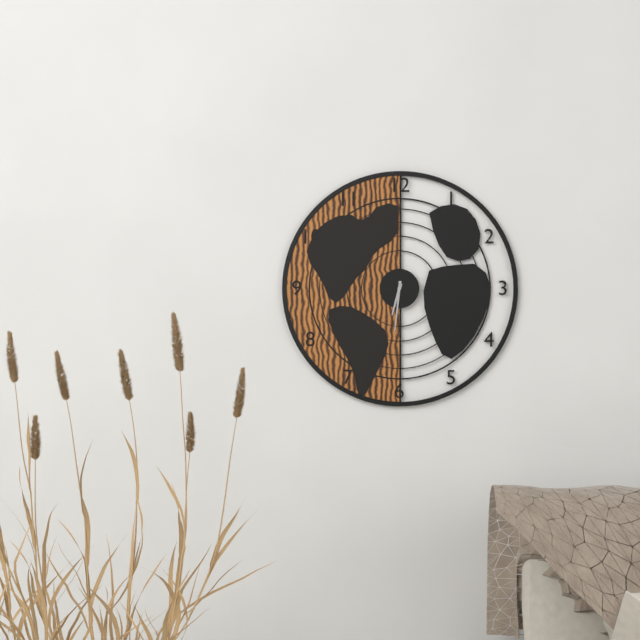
6:31
